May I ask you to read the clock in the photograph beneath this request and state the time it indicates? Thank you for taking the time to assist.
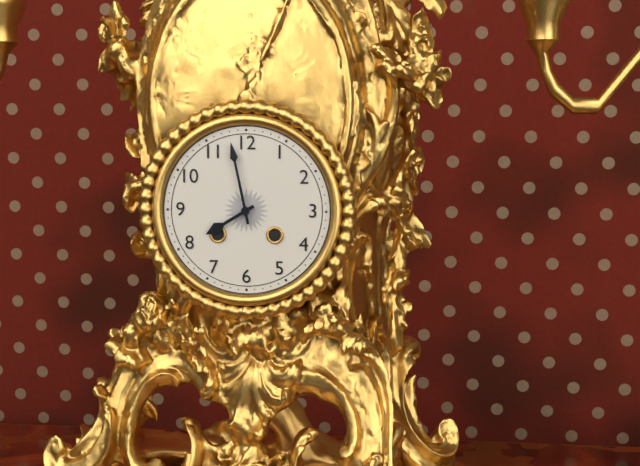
7:58
